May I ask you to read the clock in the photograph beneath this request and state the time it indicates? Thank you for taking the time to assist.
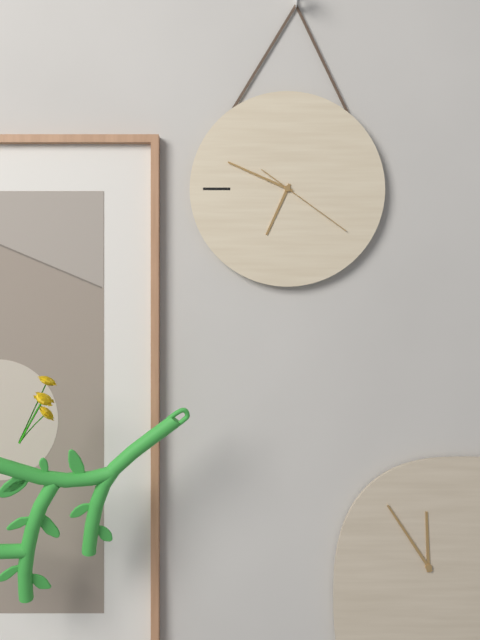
6:49:21
